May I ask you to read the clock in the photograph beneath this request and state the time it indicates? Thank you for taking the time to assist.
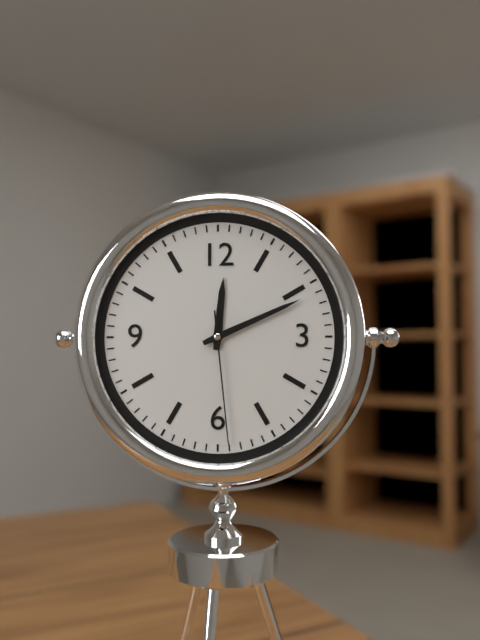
12:11:29
